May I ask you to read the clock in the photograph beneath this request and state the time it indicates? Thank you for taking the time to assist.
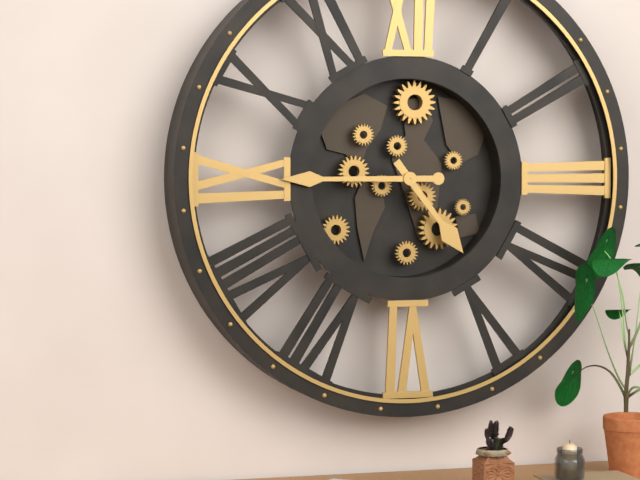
4:45
